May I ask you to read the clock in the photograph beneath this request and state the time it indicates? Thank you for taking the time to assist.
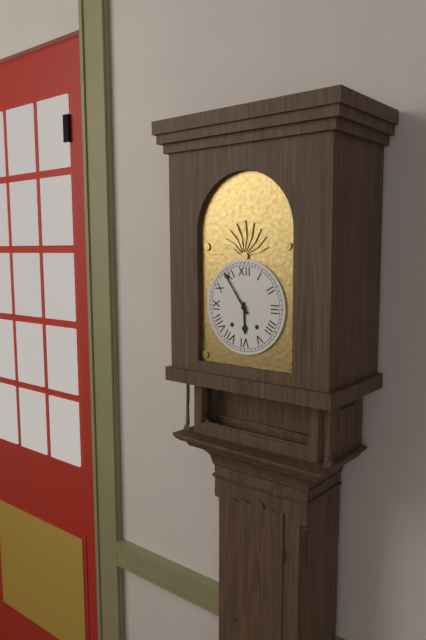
5:54
